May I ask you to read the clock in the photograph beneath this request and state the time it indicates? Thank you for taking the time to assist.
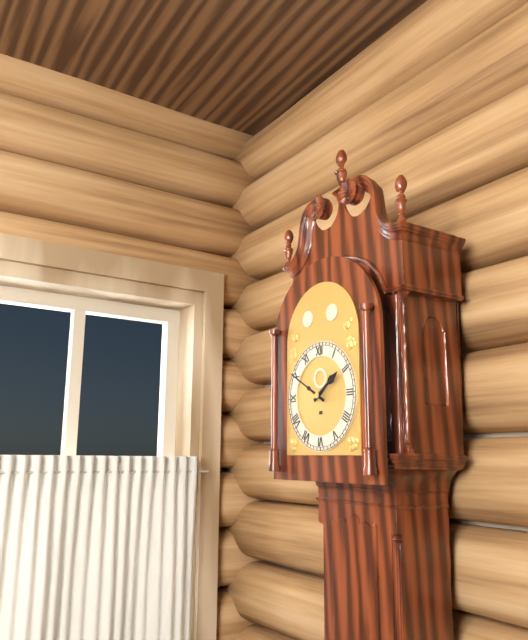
1:50
